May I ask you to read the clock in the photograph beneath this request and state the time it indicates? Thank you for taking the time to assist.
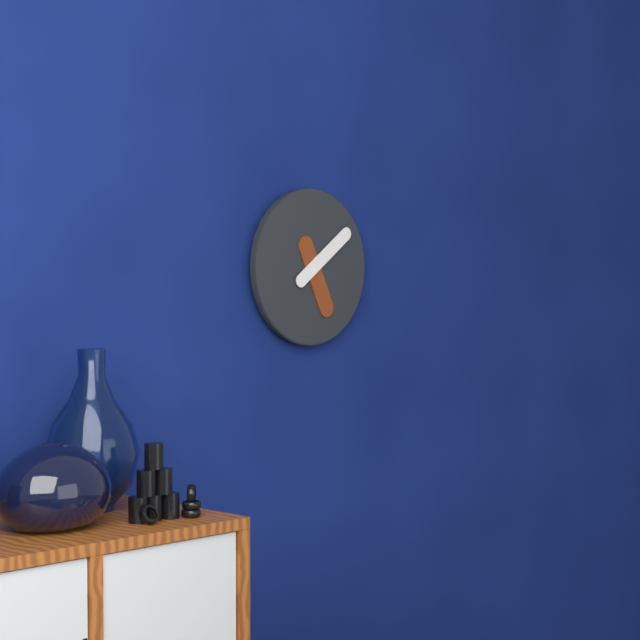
5:09
